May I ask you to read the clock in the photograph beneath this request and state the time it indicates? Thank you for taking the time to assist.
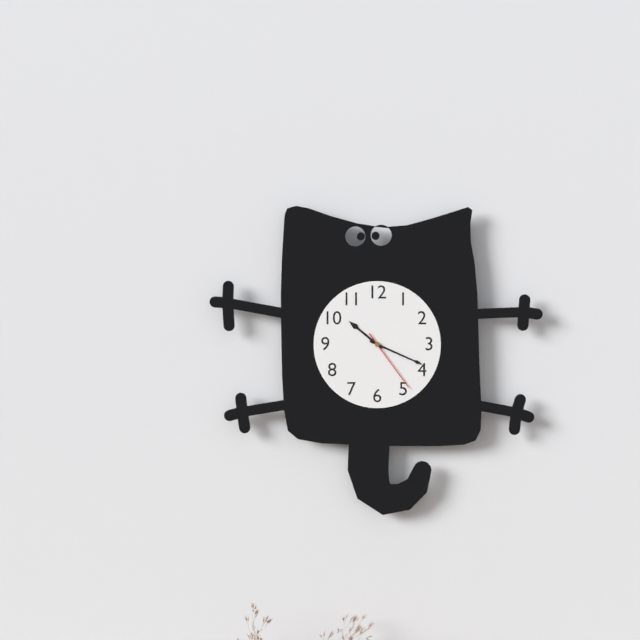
10:19:24
